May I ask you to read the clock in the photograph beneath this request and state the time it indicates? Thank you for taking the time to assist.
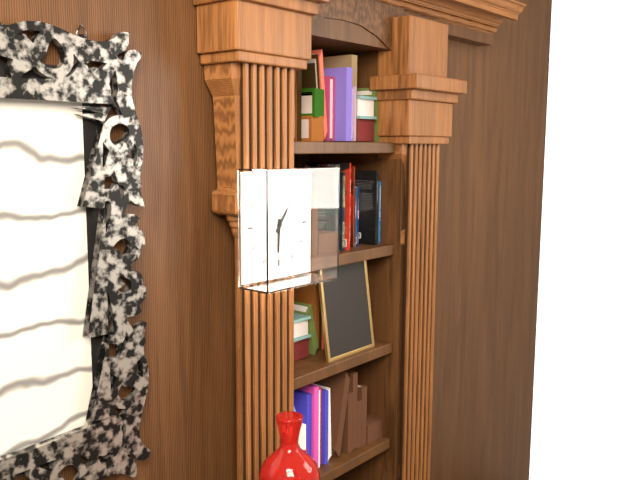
6:06
